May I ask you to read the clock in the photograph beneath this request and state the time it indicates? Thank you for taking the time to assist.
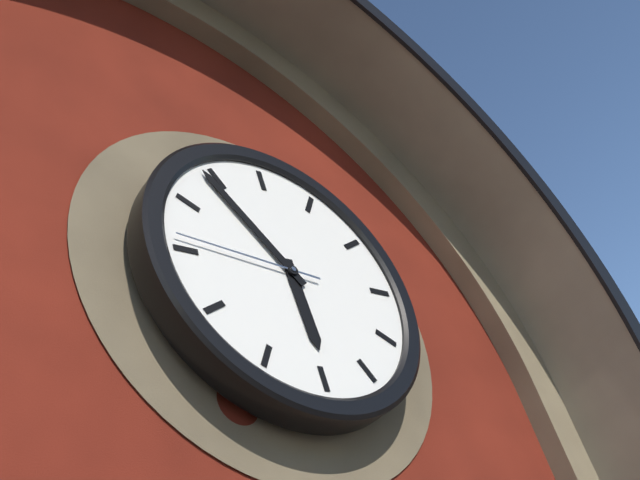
5:54:46
